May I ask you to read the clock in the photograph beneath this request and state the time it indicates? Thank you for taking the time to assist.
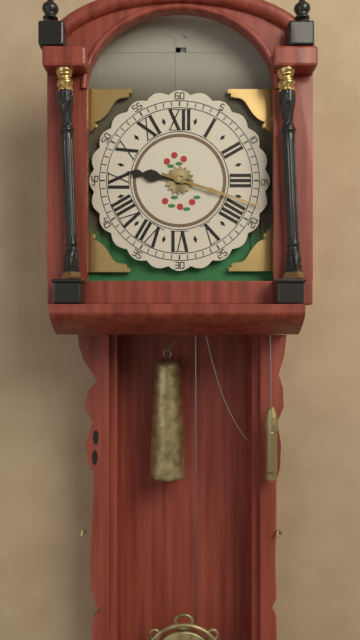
9:18
